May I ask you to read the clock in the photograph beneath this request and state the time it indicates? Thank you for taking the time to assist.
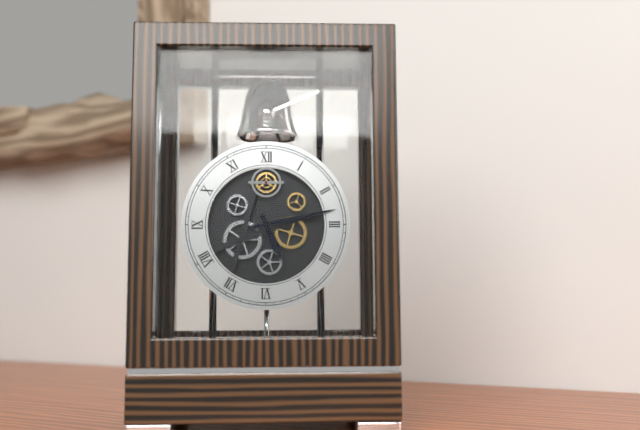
5:13
